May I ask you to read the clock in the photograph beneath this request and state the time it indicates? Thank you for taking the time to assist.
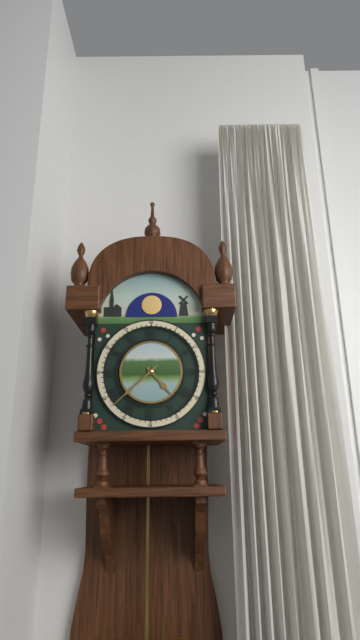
4:38
